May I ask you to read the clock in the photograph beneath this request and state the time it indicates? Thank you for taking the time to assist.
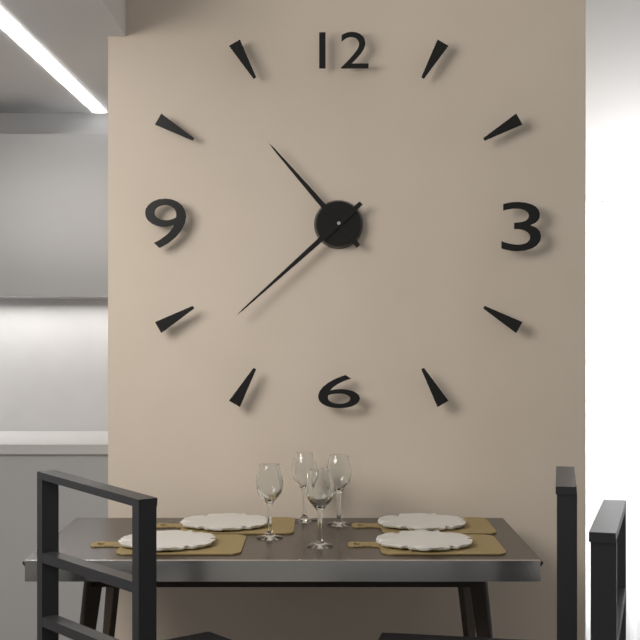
10:38
